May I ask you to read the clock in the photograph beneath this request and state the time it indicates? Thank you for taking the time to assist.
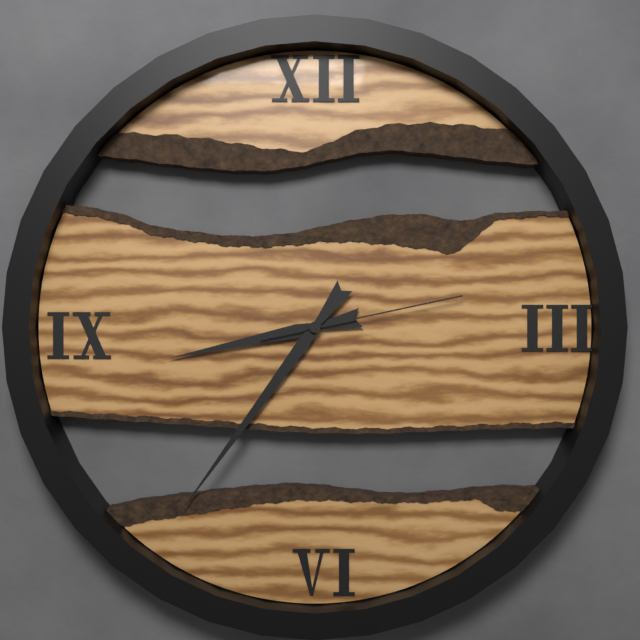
8:36:13
